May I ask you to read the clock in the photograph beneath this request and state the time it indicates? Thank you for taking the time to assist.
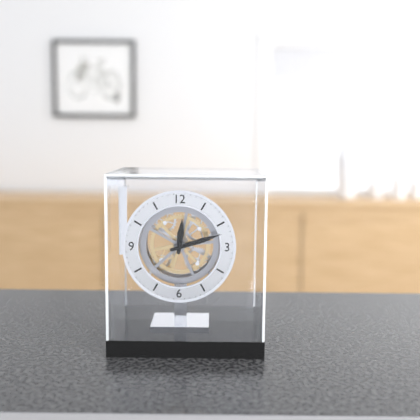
12:12
